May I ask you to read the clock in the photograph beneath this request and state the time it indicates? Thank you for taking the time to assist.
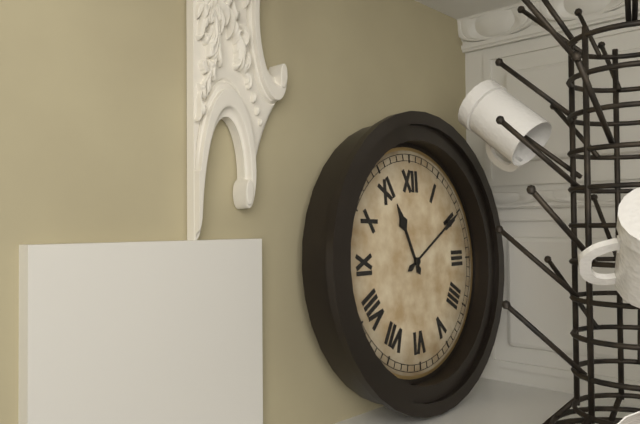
11:10
